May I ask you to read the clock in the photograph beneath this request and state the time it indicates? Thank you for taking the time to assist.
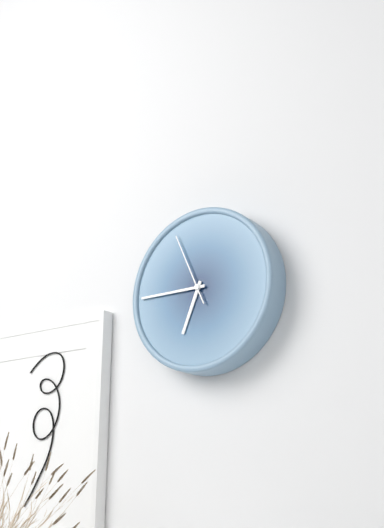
6:45:56
